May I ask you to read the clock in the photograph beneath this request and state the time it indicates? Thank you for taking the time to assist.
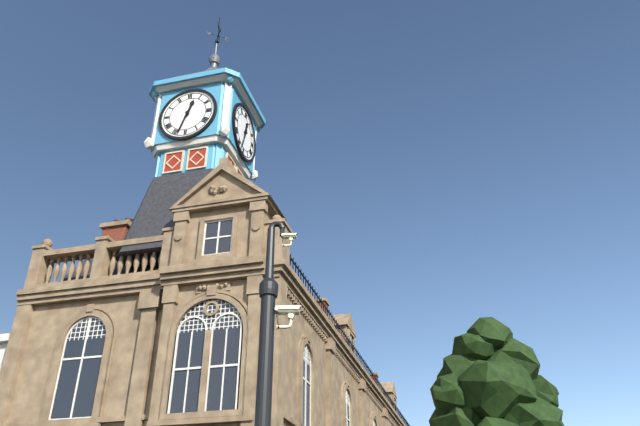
12:33
